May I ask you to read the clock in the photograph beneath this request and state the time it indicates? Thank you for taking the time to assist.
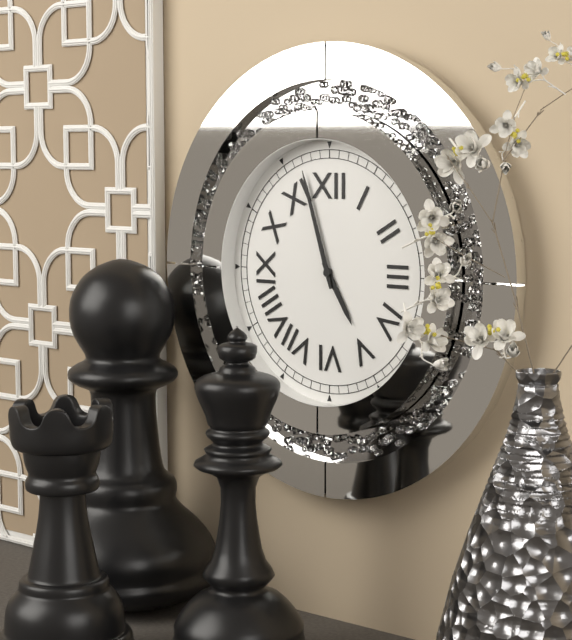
4:57
